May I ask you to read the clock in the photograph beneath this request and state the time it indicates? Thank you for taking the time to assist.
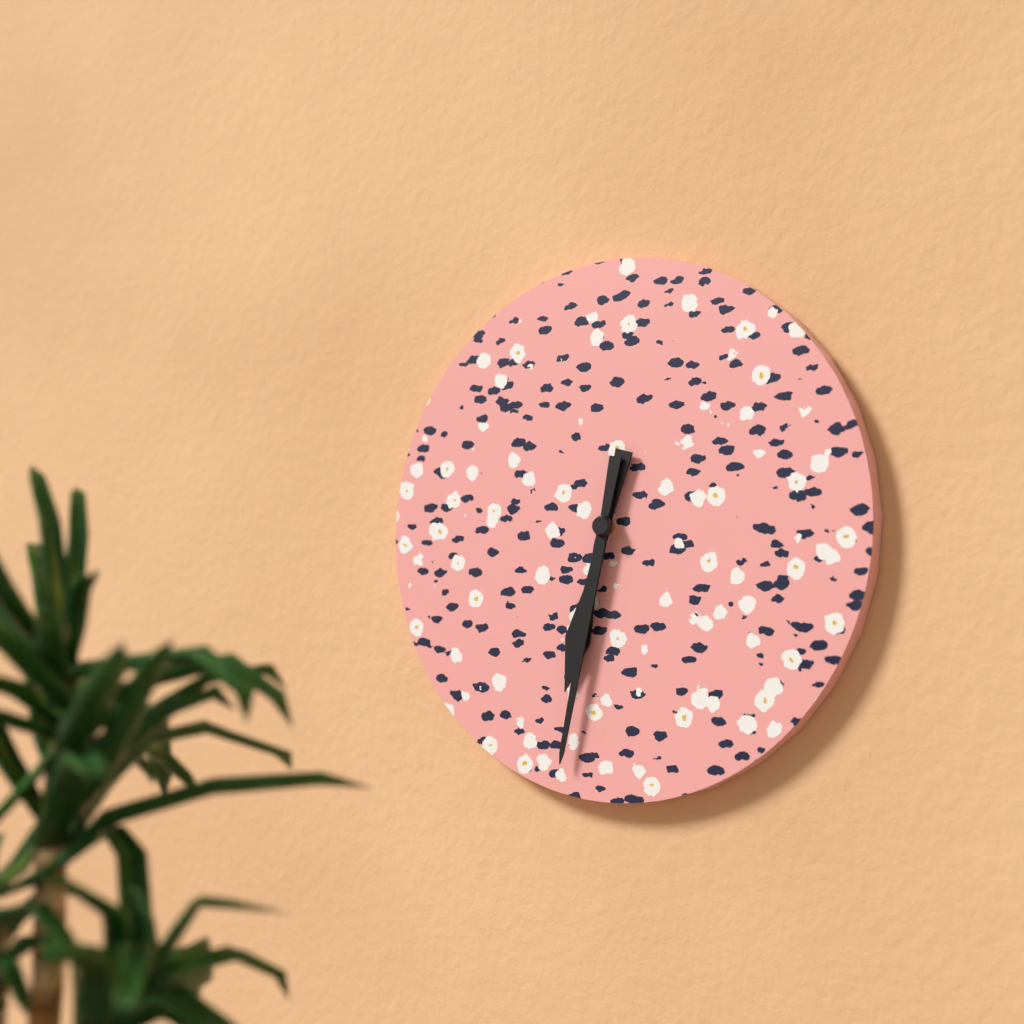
6:32
